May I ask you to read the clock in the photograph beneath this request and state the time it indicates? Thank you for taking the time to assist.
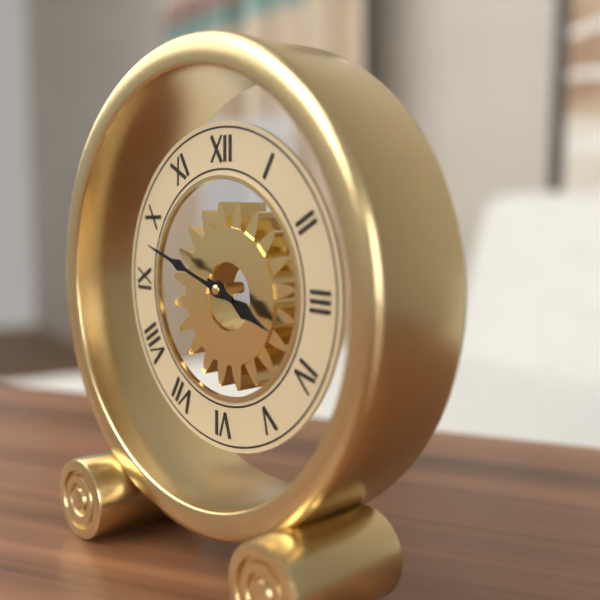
3:48
